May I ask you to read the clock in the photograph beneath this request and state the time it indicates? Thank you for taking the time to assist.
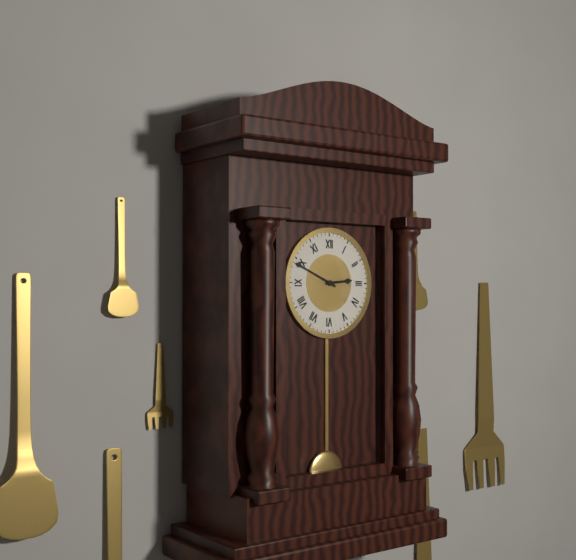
2:49
